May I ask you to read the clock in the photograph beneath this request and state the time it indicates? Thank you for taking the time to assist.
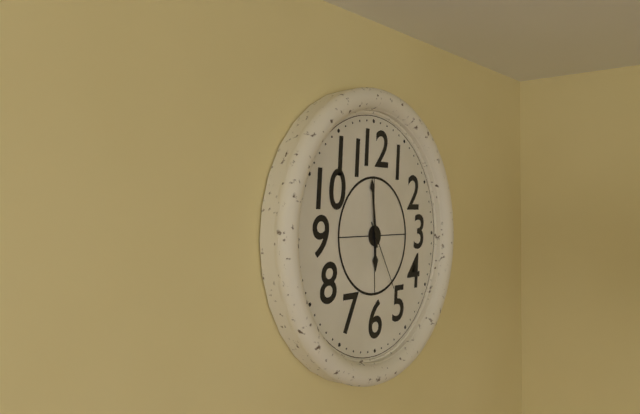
5:59:25
